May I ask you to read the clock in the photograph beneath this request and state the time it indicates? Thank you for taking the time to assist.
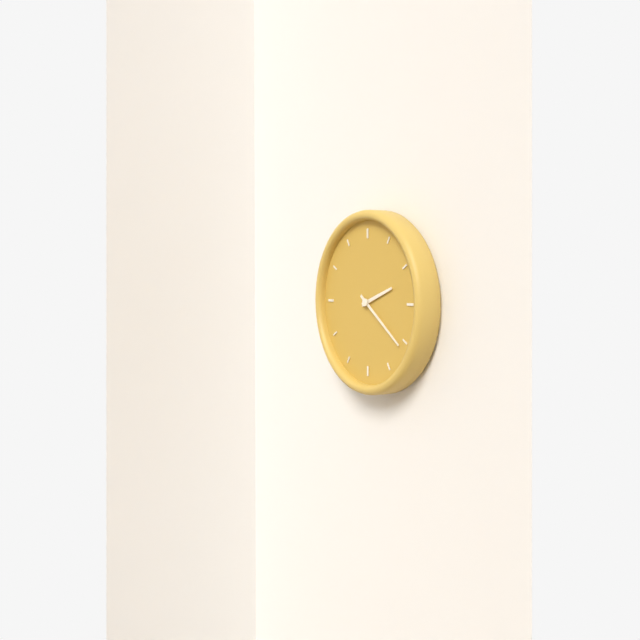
2:21
